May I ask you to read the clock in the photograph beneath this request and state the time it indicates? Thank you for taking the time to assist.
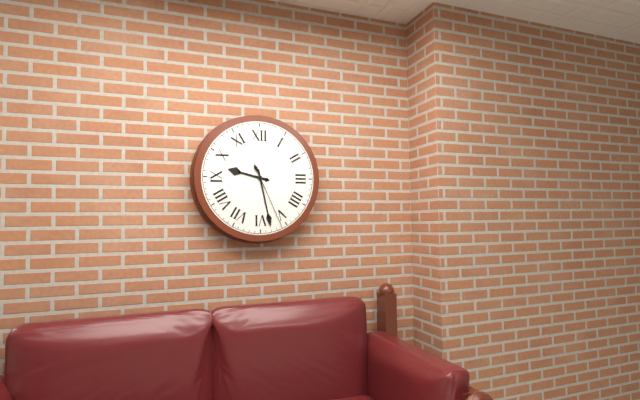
9:28:26
